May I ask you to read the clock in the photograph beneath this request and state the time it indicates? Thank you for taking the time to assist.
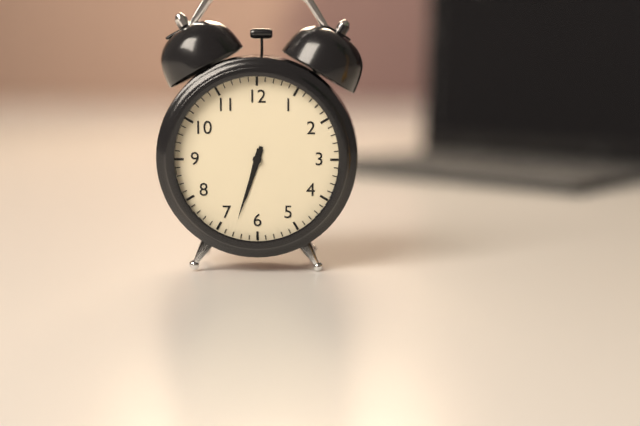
6:33
